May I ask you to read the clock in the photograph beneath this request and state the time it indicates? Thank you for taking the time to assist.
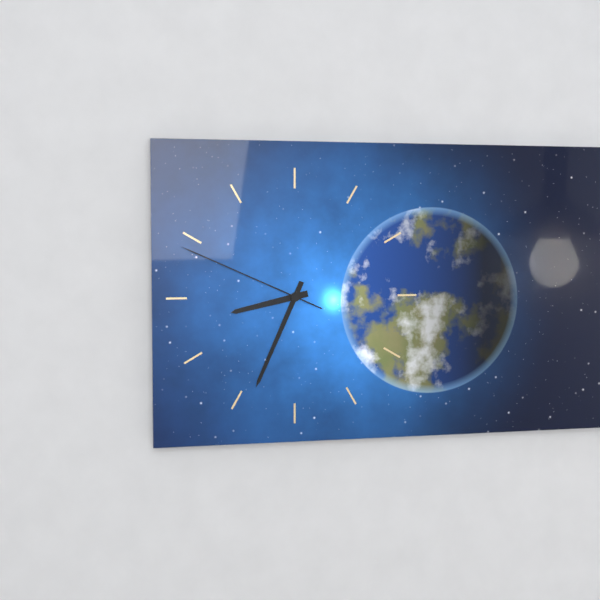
8:34:49
